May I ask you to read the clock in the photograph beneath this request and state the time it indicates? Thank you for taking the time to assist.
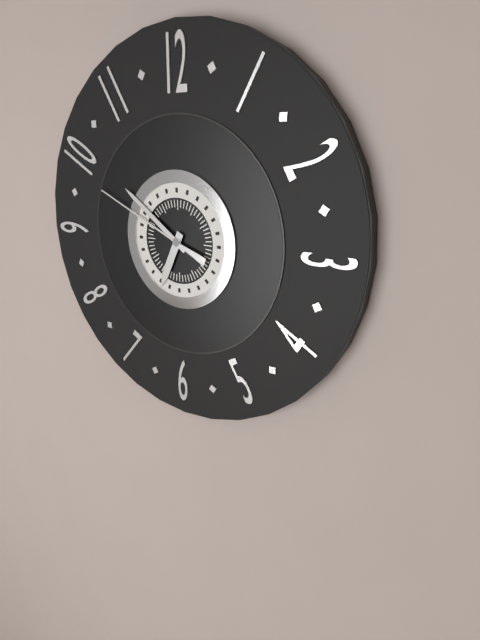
6:51:49
